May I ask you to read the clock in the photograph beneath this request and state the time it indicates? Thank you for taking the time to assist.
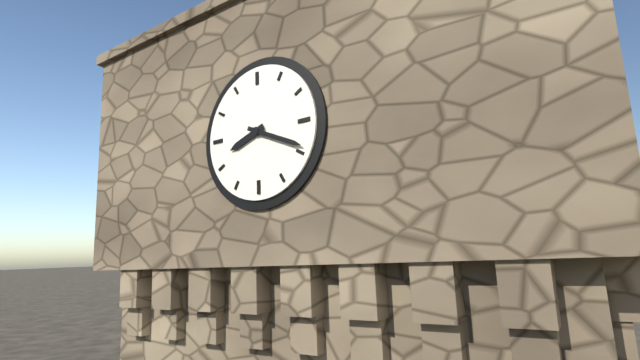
8:19
